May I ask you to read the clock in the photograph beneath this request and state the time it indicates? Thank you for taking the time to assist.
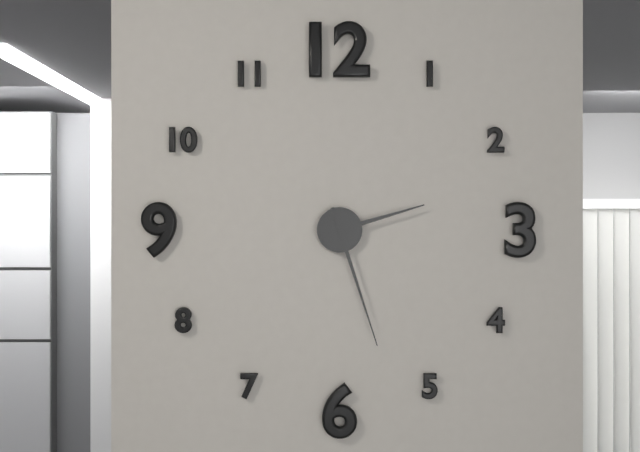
2:27
